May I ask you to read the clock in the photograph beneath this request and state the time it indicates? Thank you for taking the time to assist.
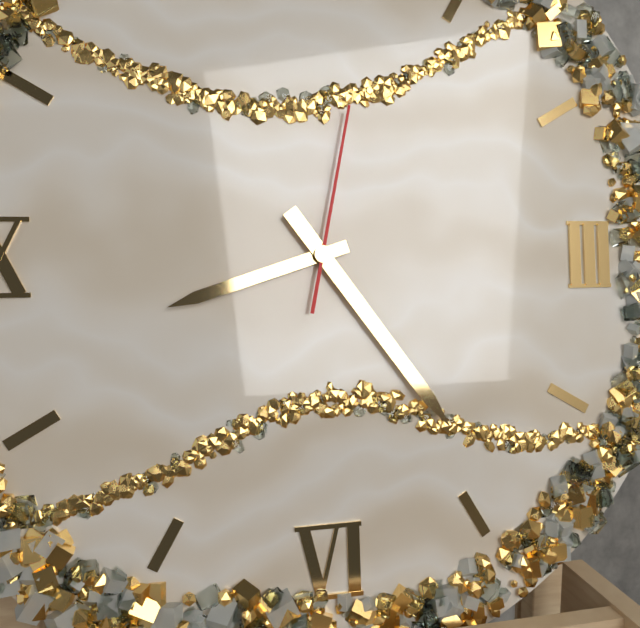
8:24:02
